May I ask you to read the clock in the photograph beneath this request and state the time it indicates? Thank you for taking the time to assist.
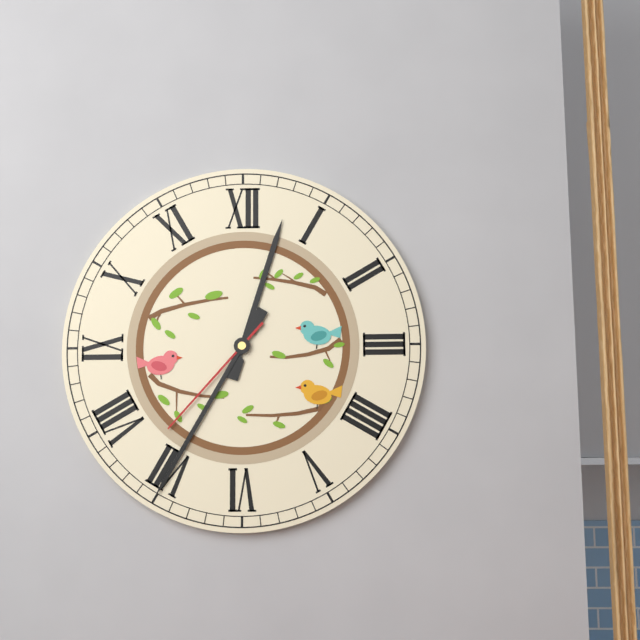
12:35:37
